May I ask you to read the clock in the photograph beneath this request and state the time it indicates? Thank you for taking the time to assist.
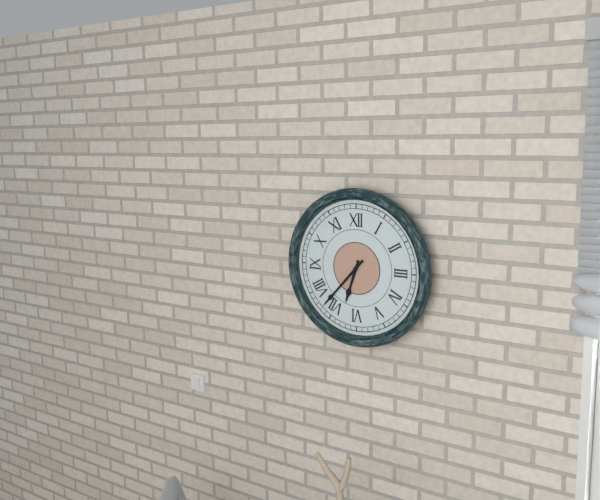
6:37
